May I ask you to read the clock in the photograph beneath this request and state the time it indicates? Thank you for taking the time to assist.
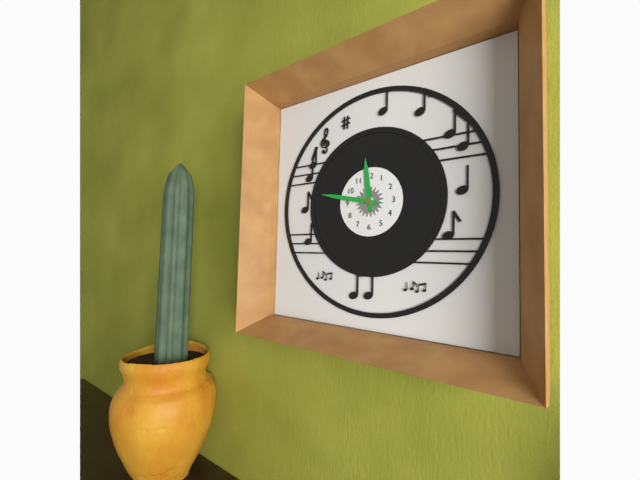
11:47
